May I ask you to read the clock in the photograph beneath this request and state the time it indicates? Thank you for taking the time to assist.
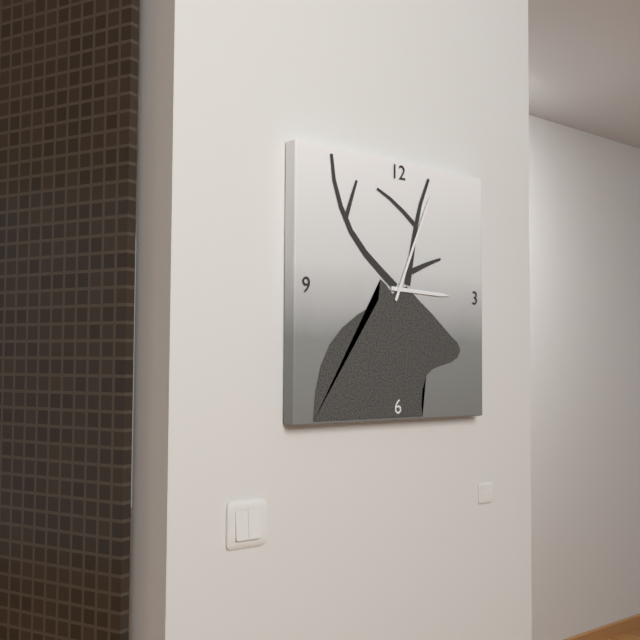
3:04
